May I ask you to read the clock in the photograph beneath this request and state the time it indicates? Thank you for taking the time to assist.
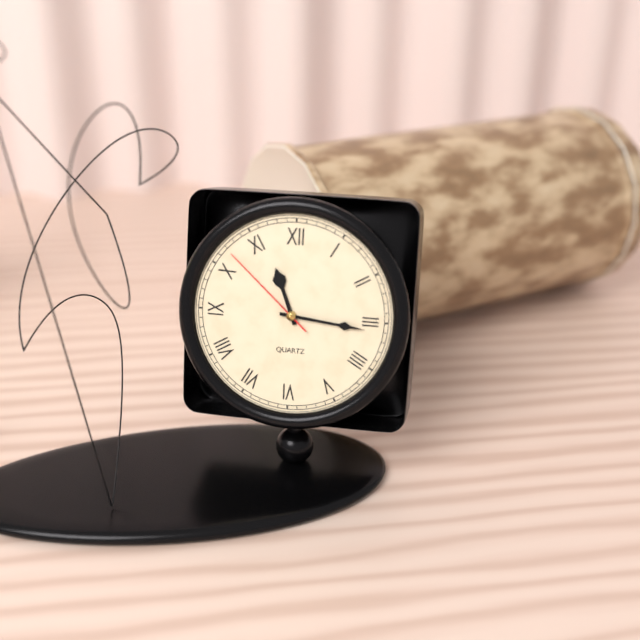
11:16:52
